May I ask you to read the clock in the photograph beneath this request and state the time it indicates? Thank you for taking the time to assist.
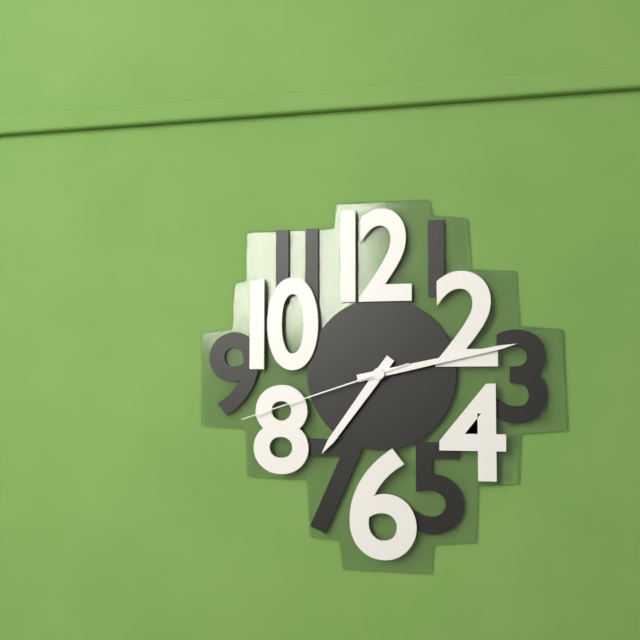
7:13:42
